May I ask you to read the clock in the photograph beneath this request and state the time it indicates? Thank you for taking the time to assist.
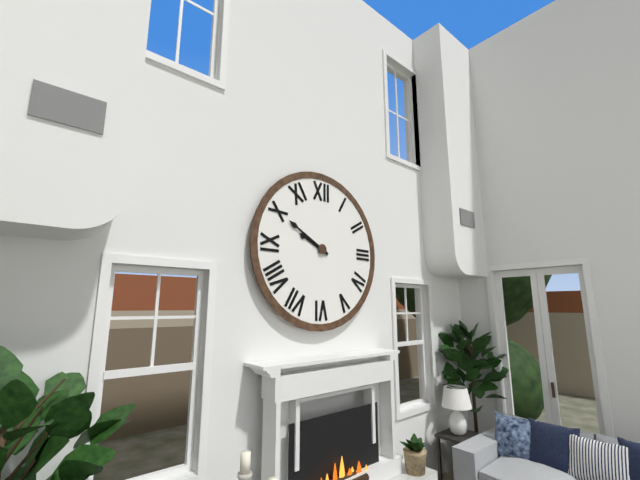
9:50
